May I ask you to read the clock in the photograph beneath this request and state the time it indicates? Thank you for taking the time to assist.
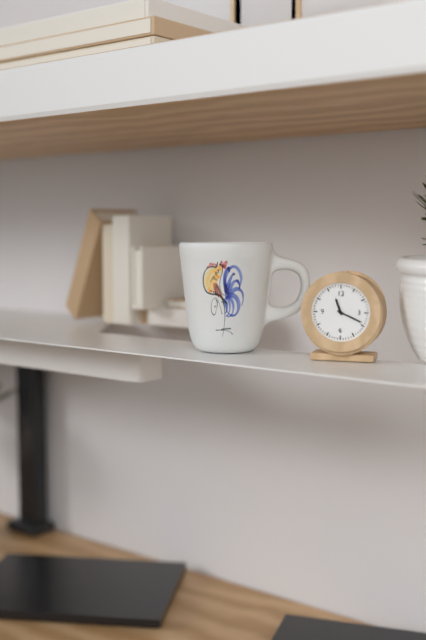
11:19
